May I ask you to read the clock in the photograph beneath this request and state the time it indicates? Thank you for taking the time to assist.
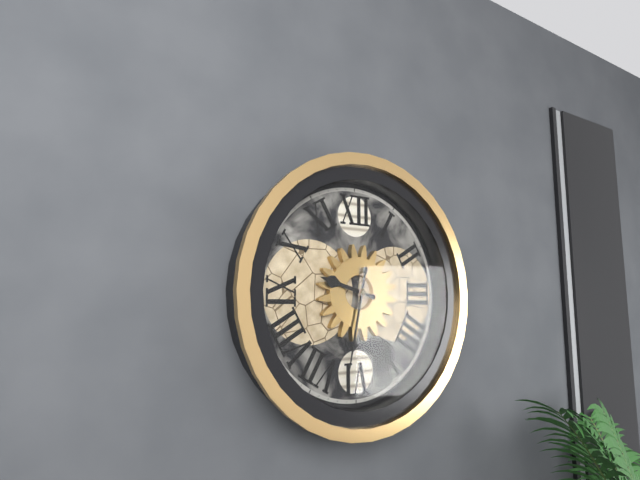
9:32
